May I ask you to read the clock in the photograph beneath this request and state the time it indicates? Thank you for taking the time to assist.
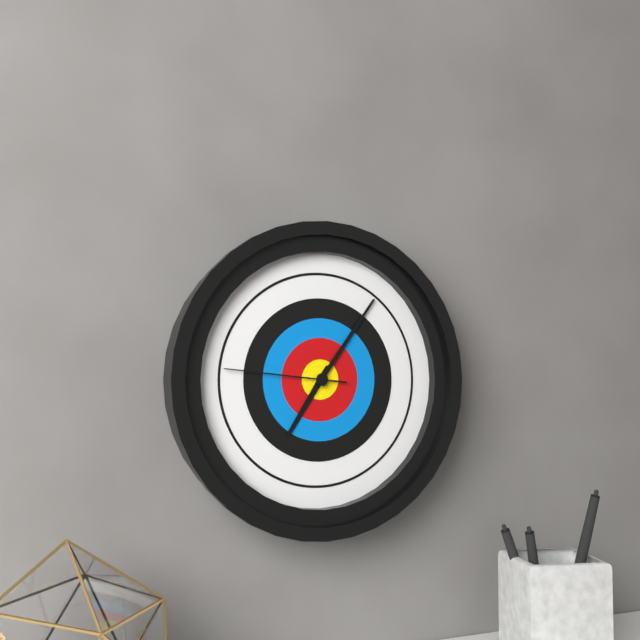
7:06:46
